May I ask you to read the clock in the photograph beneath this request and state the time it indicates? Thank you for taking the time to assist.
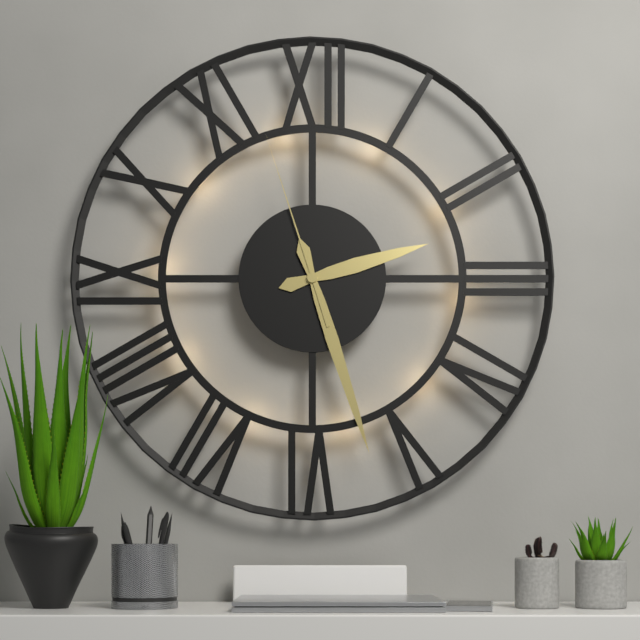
2:27:57
